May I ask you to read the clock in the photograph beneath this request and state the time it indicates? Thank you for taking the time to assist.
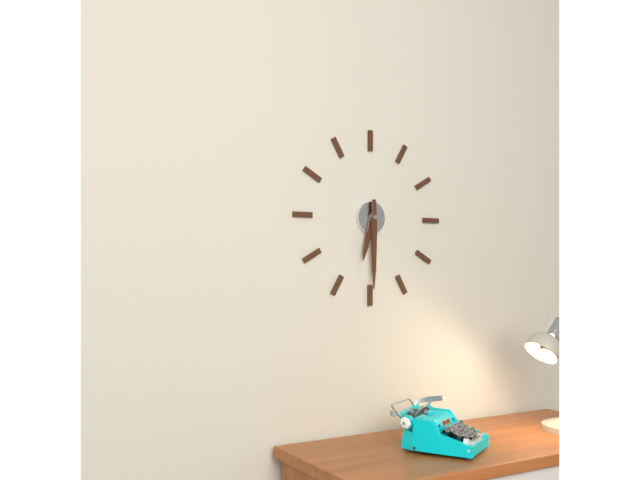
6:30
